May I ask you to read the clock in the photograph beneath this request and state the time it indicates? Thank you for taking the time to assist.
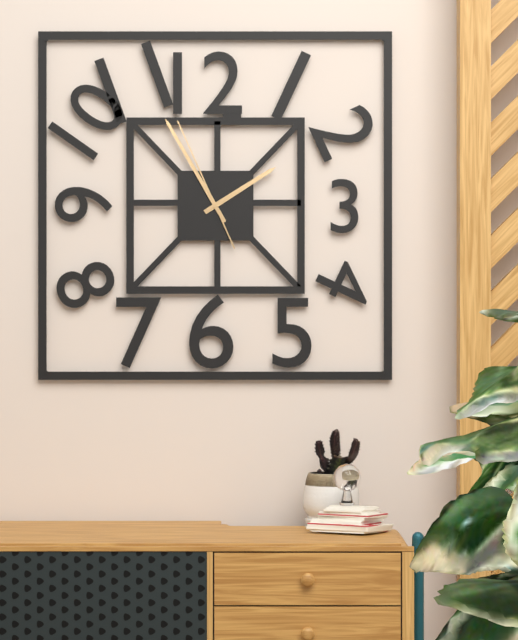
1:55:56
